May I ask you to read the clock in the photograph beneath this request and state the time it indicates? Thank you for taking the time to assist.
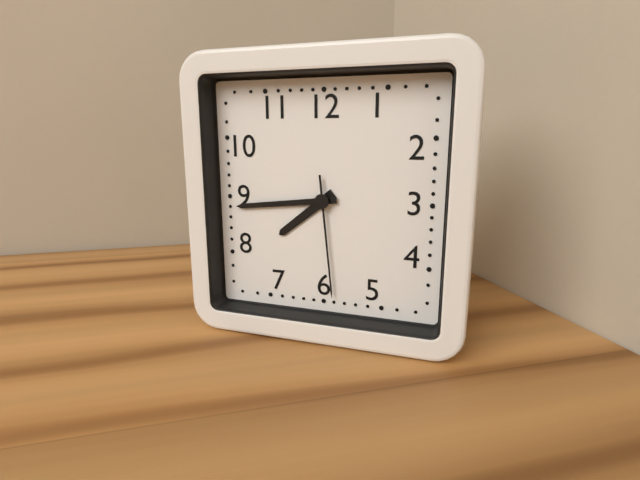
7:44:29
